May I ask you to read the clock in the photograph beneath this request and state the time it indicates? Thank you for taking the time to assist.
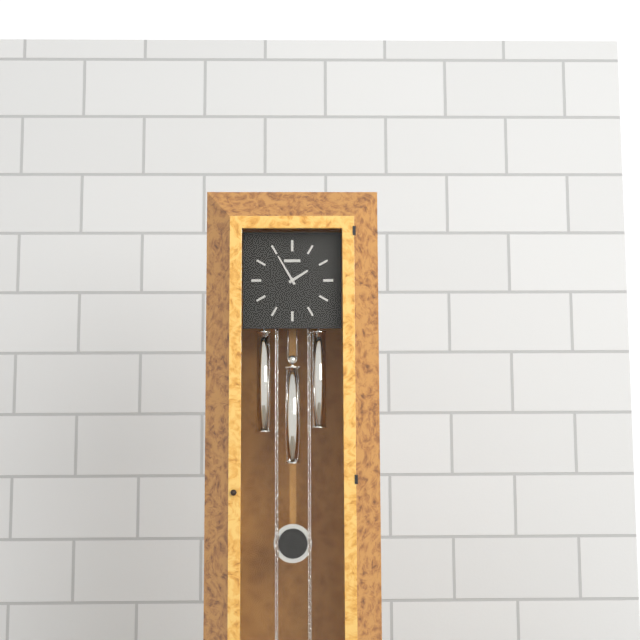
1:55
